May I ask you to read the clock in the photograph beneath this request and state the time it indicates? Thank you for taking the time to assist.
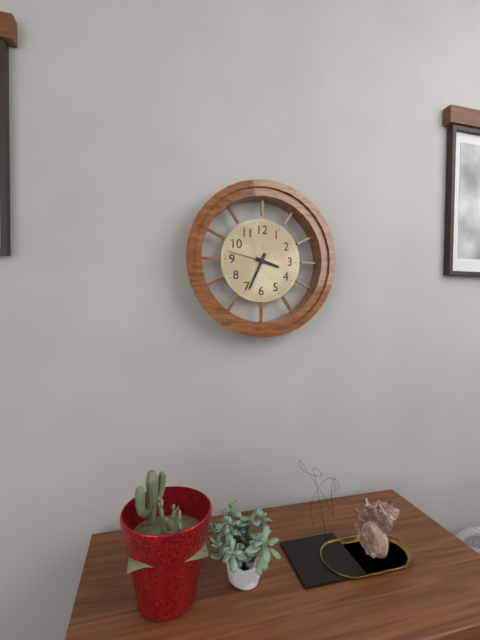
3:34
